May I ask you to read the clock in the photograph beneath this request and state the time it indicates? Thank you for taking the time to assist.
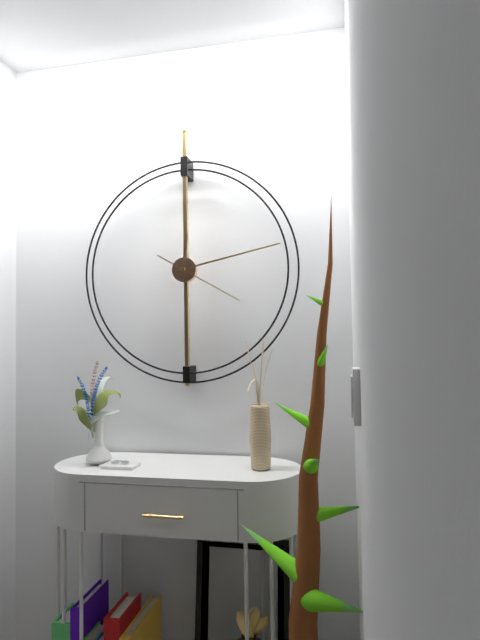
12:13:20
